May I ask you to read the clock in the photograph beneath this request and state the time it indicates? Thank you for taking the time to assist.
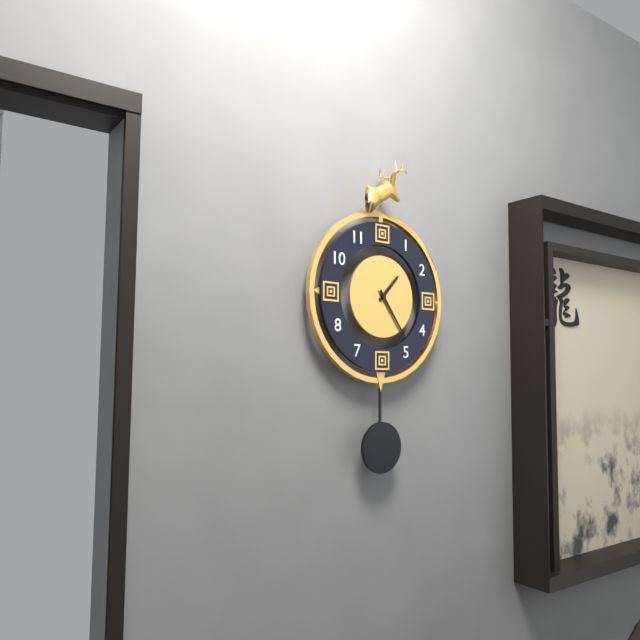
1:24
